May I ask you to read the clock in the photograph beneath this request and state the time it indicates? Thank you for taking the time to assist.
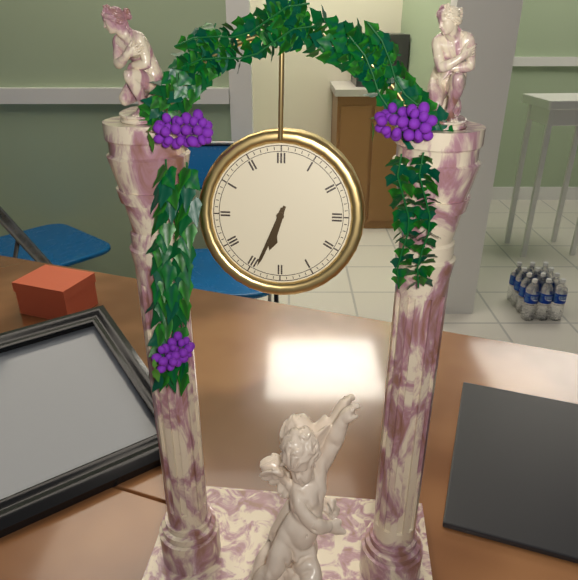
6:34
